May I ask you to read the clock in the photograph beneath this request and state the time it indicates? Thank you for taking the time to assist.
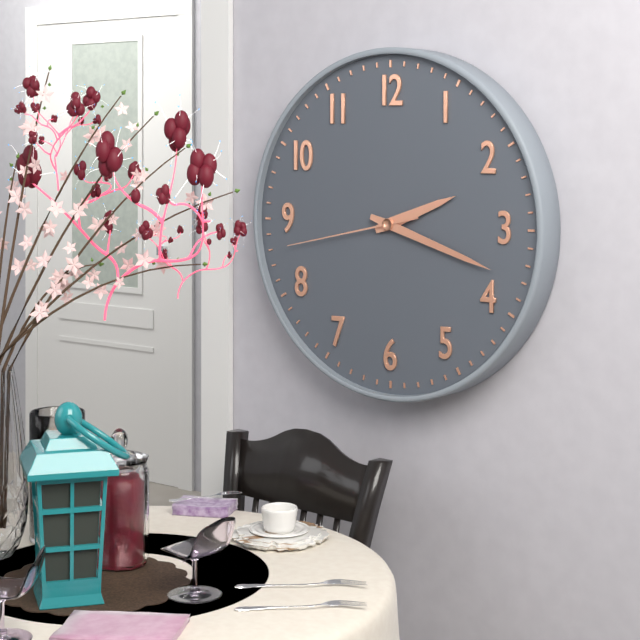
2:18:43
